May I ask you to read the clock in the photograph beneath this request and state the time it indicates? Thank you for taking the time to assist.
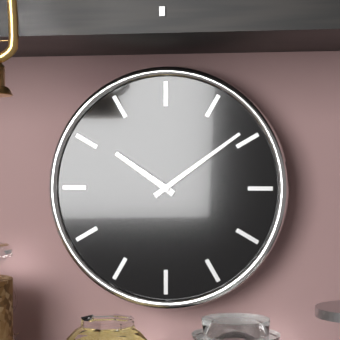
10:09
